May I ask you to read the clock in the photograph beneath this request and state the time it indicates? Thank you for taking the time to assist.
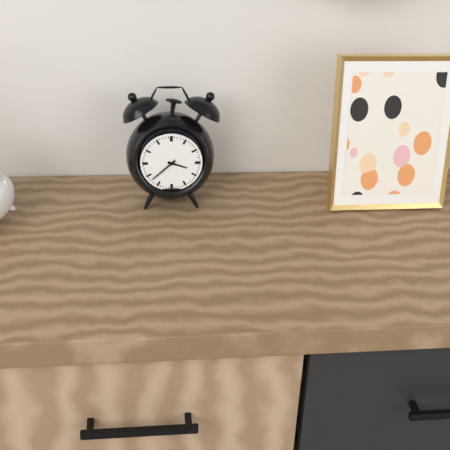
3:38
